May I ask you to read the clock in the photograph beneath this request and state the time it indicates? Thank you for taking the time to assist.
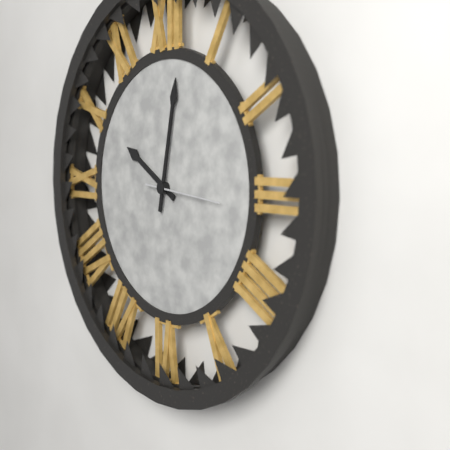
10:02:16
